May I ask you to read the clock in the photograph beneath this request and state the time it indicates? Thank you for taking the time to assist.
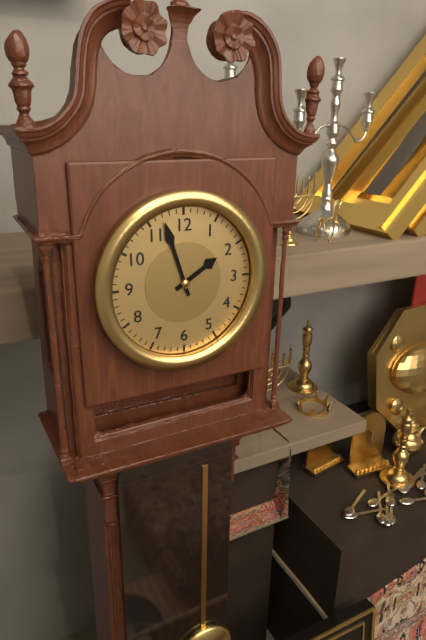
1:57
